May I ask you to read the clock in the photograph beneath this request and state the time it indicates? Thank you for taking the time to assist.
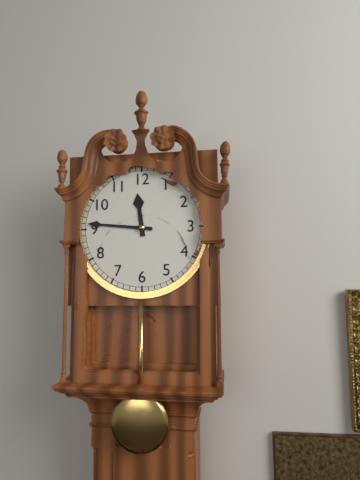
11:46
